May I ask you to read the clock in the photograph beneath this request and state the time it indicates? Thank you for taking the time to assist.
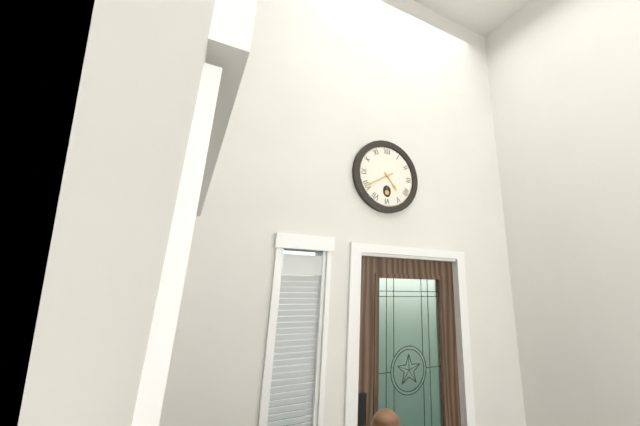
4:40
